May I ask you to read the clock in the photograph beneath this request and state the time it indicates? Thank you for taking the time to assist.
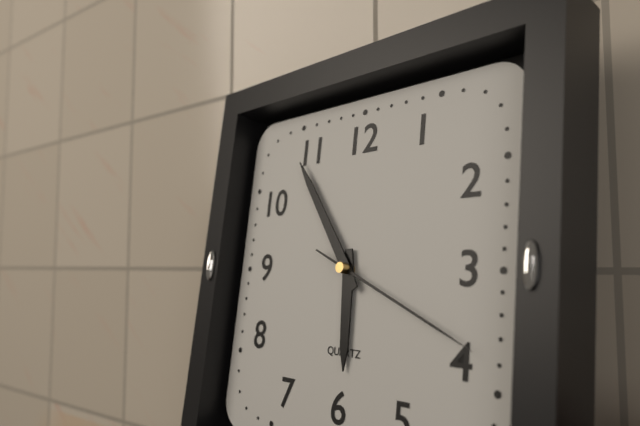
5:54:19
